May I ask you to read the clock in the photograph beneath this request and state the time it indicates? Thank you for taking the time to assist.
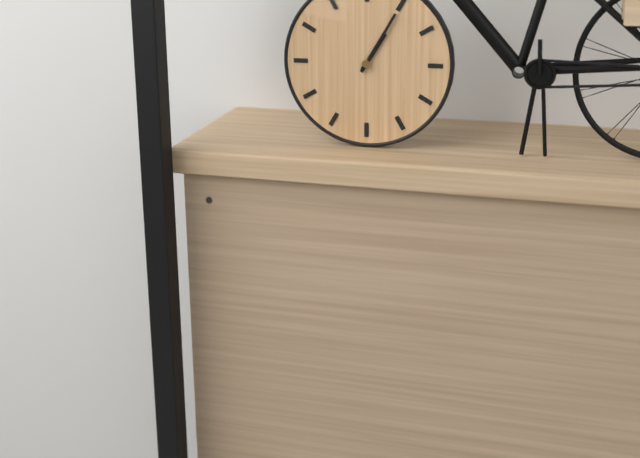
1:05
